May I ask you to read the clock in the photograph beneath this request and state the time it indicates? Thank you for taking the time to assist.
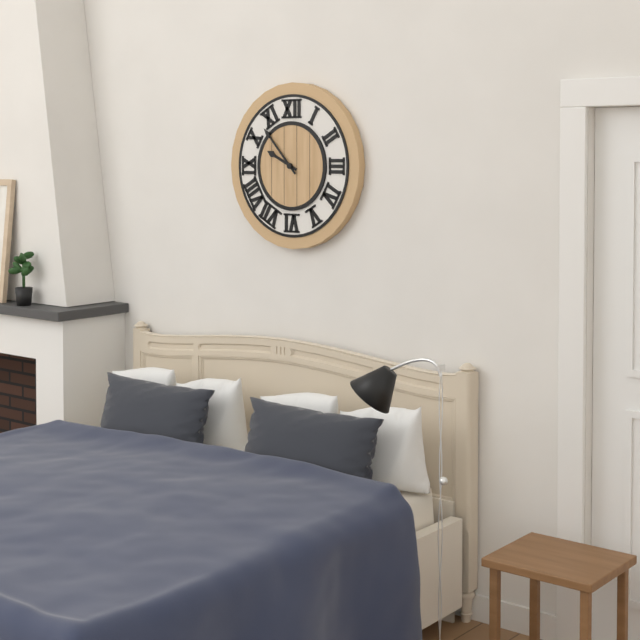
9:53
